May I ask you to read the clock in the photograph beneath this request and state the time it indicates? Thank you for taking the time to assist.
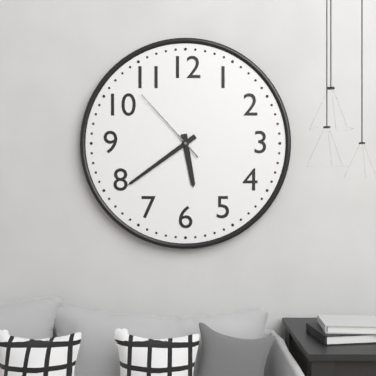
5:39:53
